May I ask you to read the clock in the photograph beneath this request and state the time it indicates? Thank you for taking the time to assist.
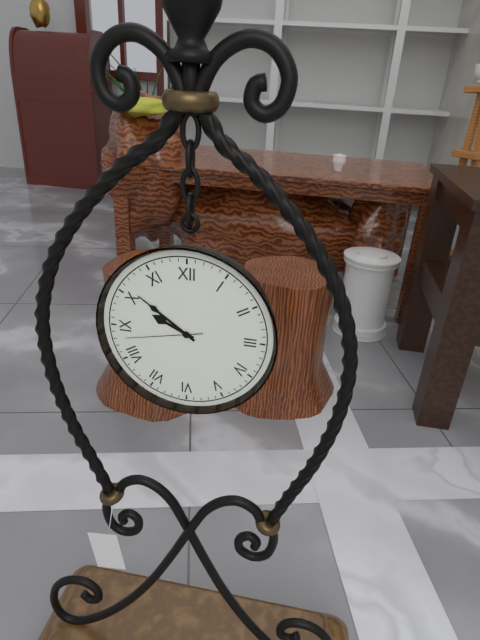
9:51:43
